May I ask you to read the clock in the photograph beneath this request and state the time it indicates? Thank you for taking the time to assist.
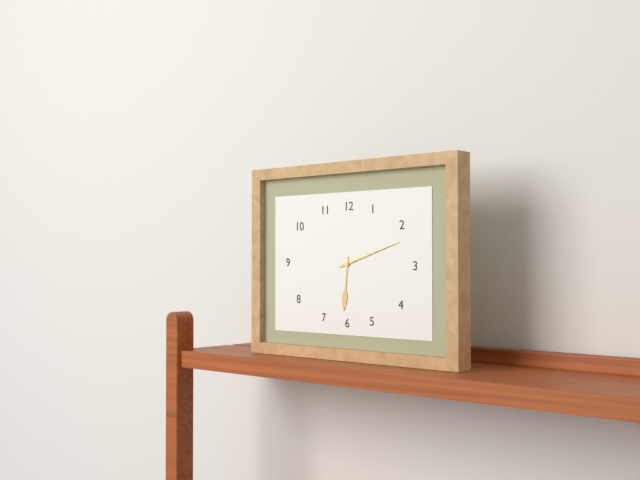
6:12
